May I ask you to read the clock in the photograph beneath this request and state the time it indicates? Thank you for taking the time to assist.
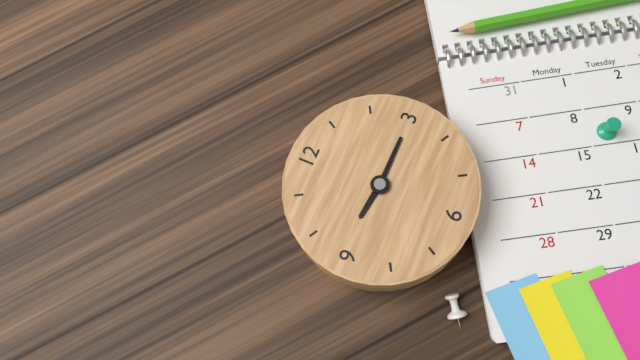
9:15
